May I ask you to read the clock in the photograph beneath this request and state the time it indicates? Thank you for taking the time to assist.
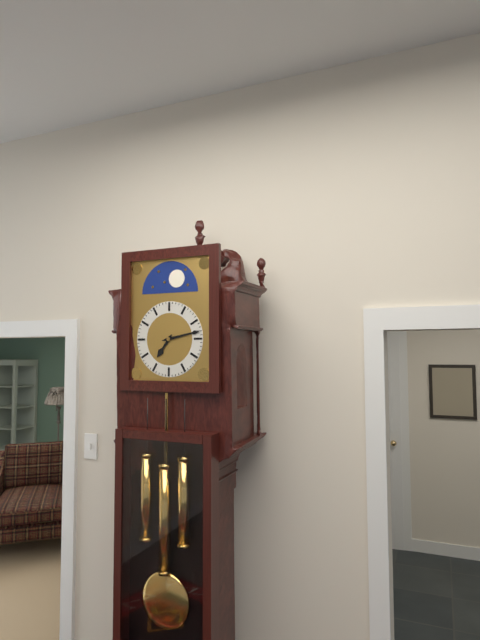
7:13
